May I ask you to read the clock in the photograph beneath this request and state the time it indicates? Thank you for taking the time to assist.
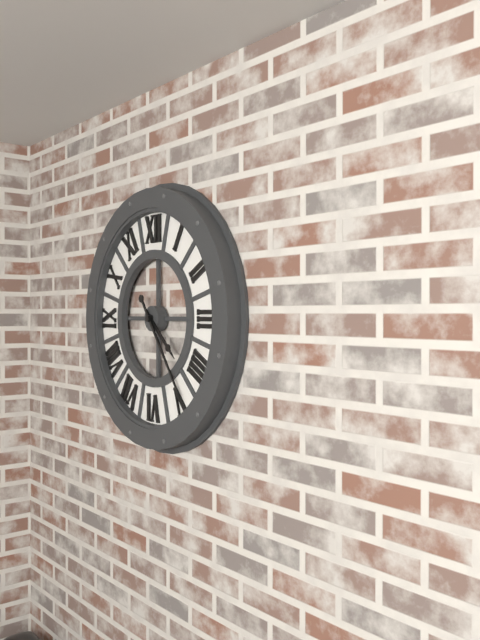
4:24
